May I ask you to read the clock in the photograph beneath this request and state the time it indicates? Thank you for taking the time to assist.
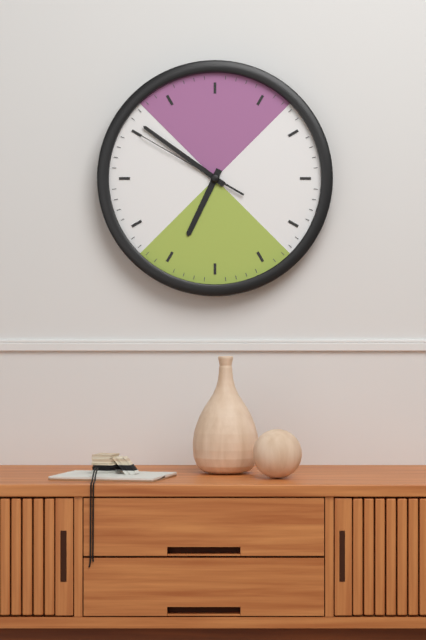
6:51:50
